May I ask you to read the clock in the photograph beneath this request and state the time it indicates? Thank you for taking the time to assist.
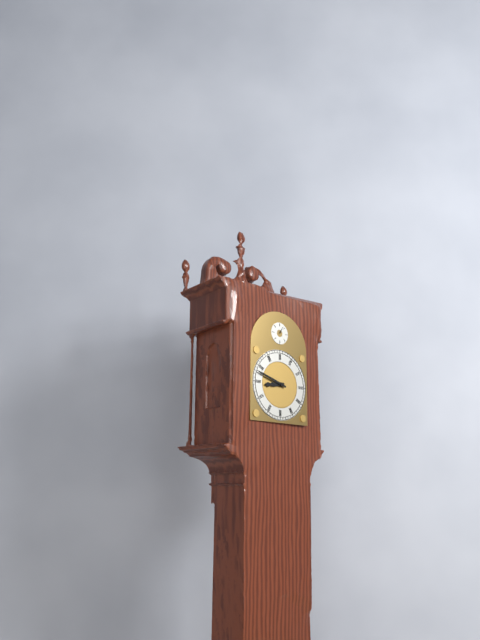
8:48
